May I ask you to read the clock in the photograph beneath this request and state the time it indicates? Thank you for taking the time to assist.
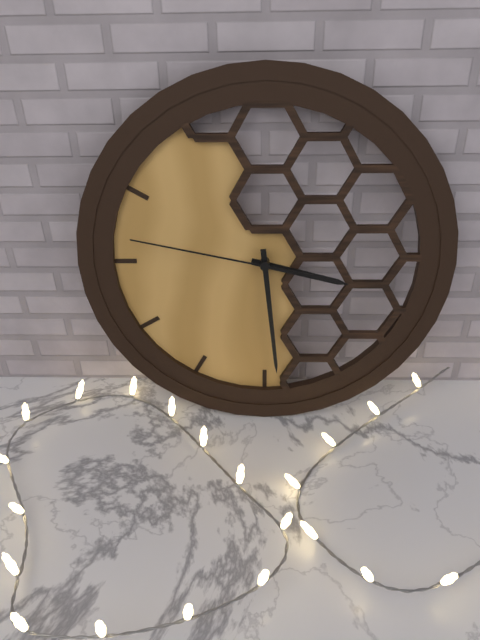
3:29:47
